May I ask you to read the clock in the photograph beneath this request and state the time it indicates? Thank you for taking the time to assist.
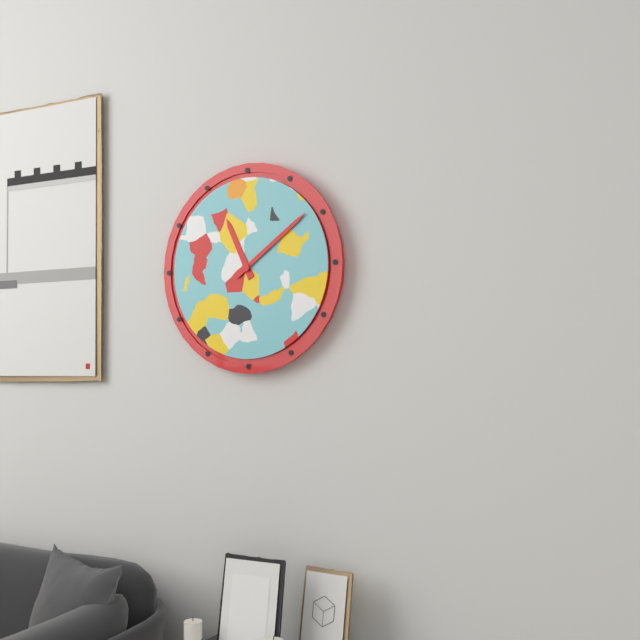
11:09
